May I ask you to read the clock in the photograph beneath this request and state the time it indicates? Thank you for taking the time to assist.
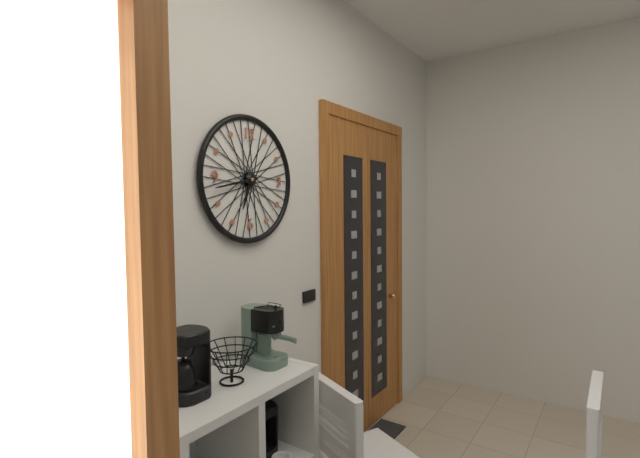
6:43
